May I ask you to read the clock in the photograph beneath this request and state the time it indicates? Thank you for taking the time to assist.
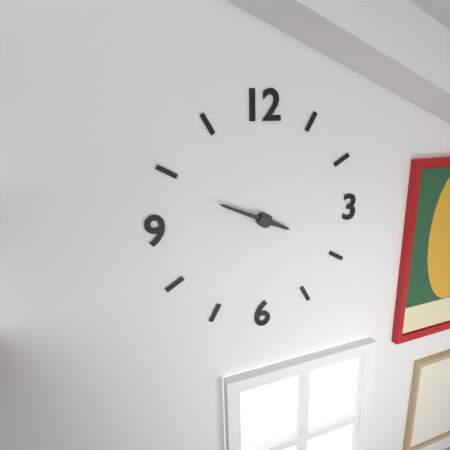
3:49
